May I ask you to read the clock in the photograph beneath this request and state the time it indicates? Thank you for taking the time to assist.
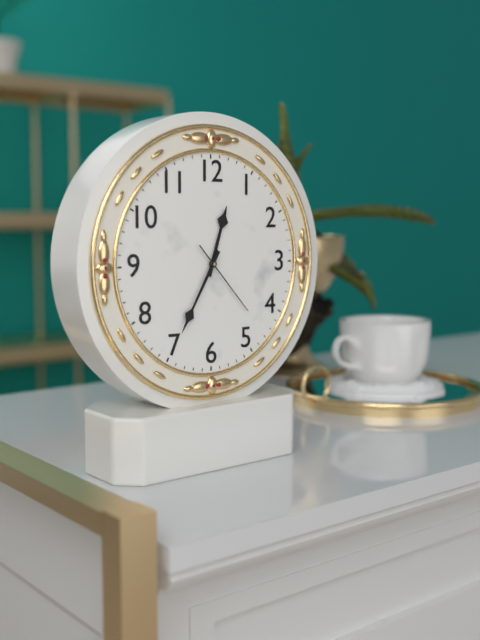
12:35:23
